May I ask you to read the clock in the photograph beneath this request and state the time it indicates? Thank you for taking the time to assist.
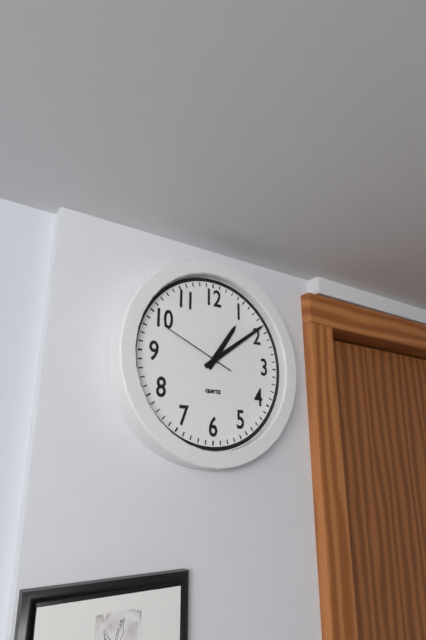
1:09:49
